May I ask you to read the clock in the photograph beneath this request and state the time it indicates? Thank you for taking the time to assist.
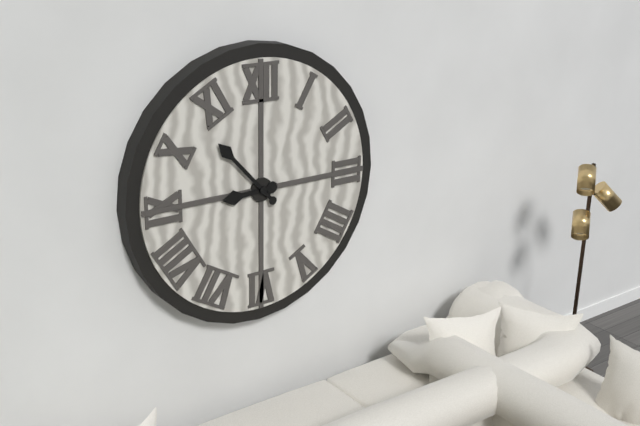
8:53
